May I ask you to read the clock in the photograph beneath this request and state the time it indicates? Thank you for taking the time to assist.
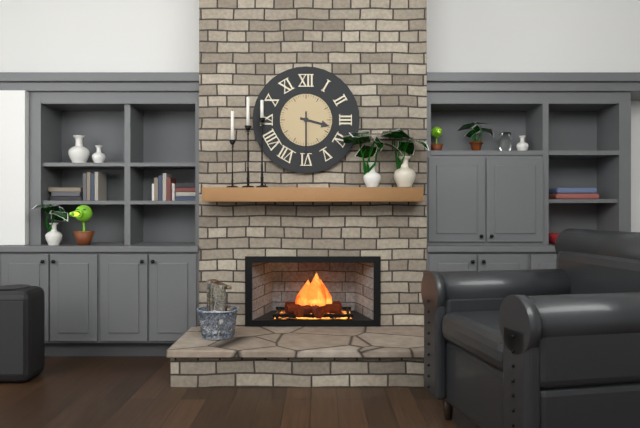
3:30
